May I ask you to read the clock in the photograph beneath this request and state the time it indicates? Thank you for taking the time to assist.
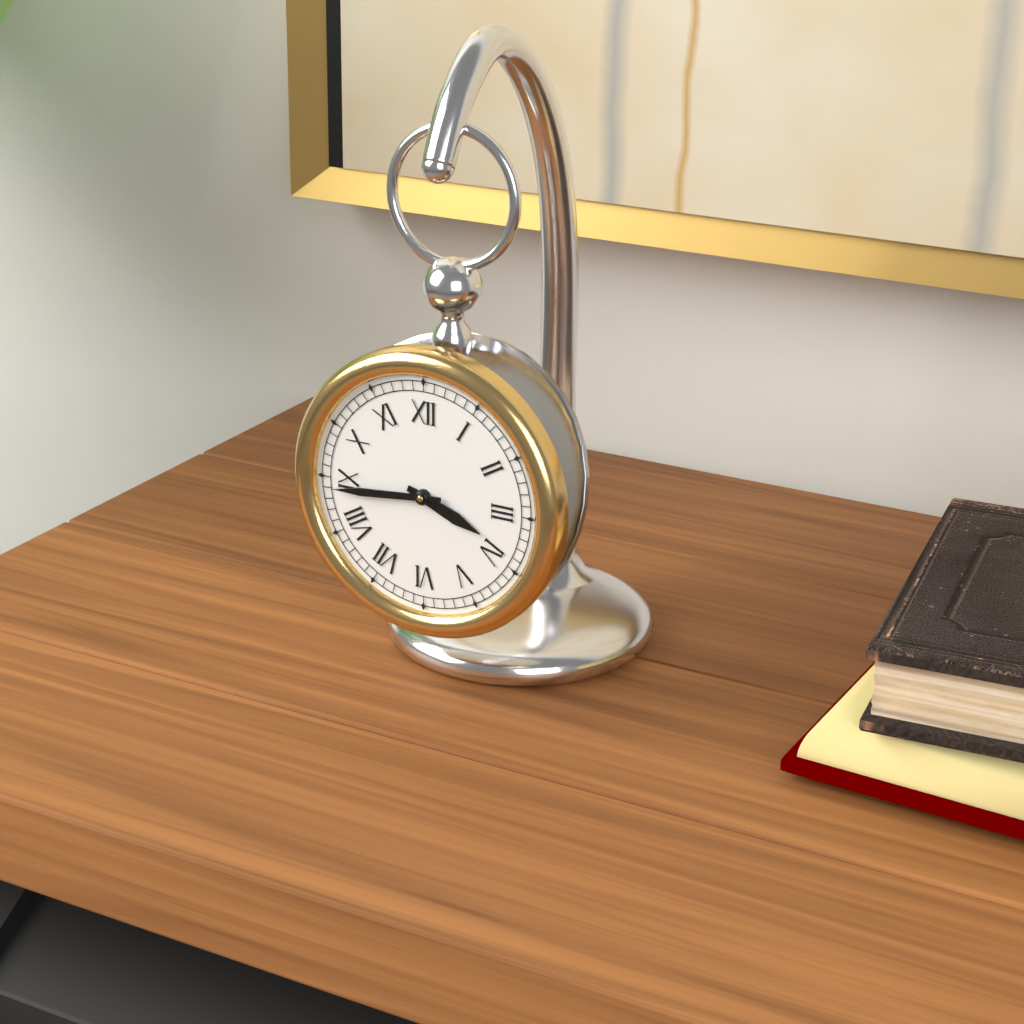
3:44
